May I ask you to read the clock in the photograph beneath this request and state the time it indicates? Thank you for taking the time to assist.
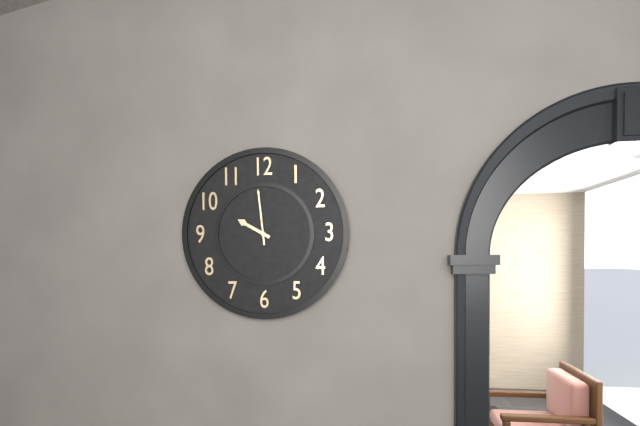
9:59
